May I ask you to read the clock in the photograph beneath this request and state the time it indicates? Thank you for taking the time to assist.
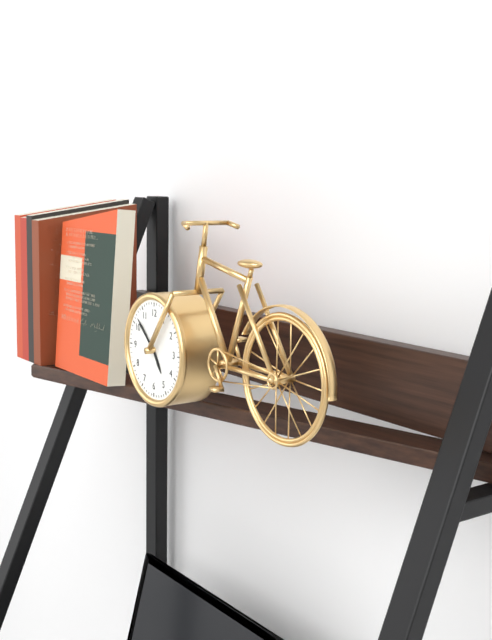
4:52
